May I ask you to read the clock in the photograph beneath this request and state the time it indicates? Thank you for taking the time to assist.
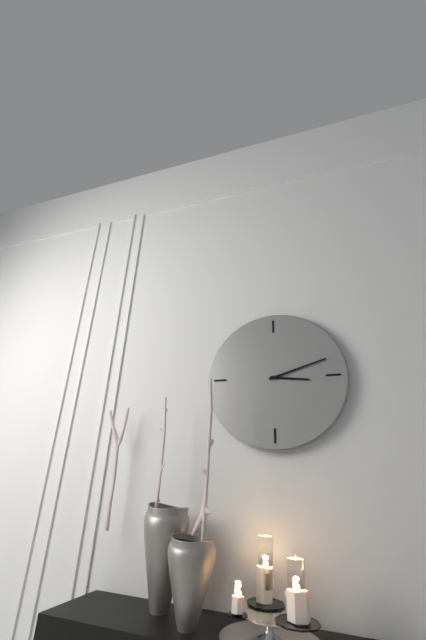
3:12
